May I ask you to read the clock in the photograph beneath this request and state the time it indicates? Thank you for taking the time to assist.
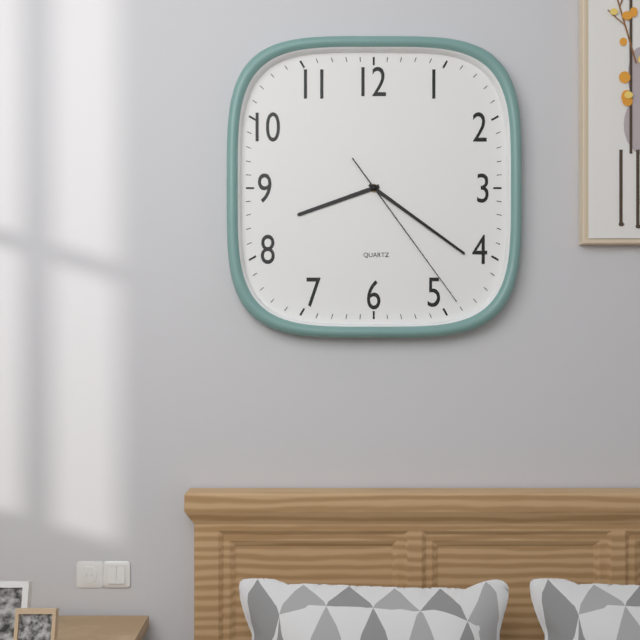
8:21:24
